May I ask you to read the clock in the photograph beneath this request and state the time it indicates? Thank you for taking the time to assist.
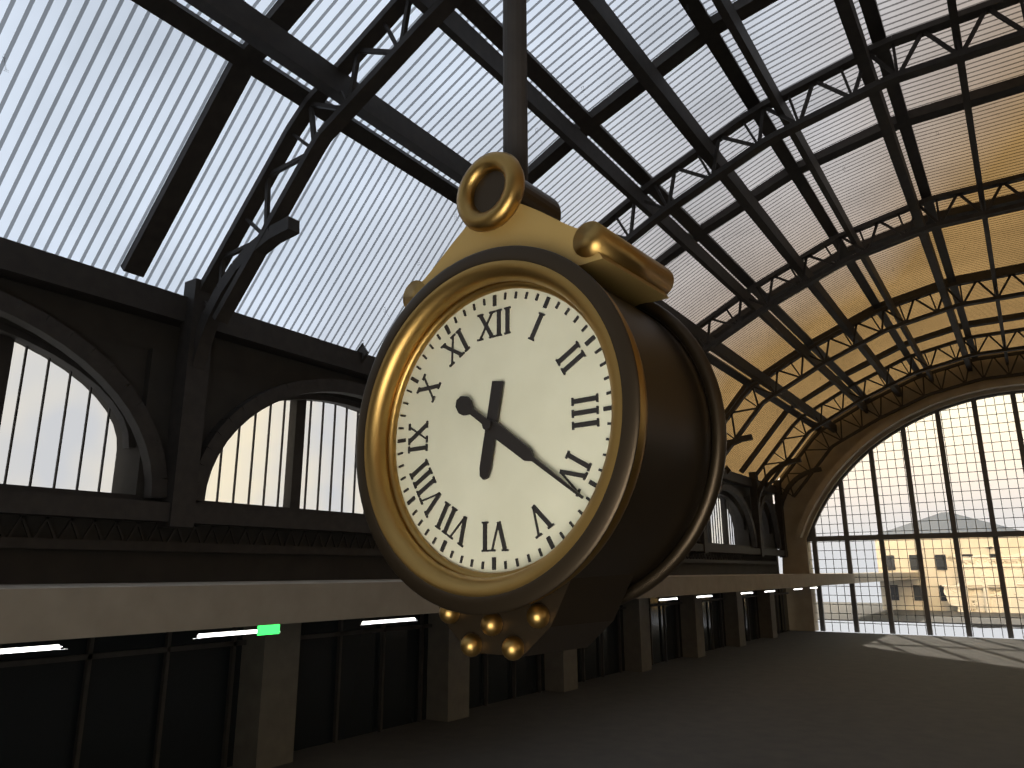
6:21
